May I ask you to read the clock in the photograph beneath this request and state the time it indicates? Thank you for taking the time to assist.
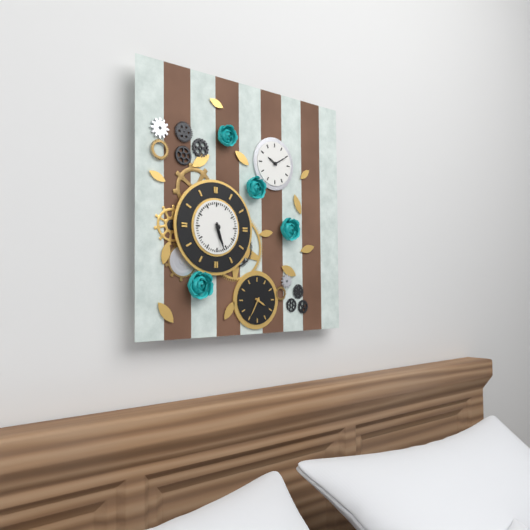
5:27
